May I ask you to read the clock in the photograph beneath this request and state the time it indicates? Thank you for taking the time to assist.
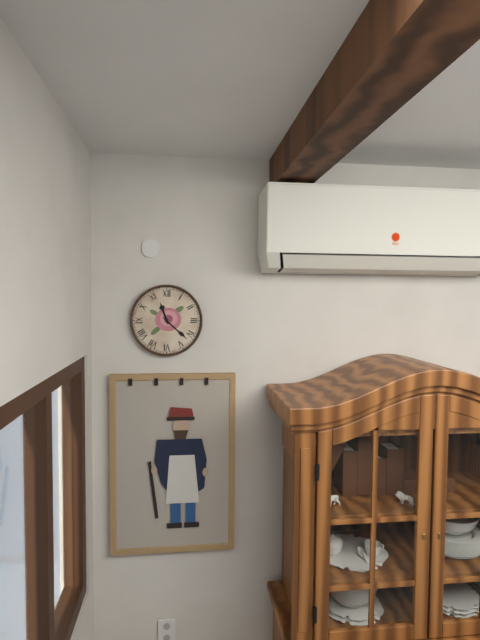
11:22
